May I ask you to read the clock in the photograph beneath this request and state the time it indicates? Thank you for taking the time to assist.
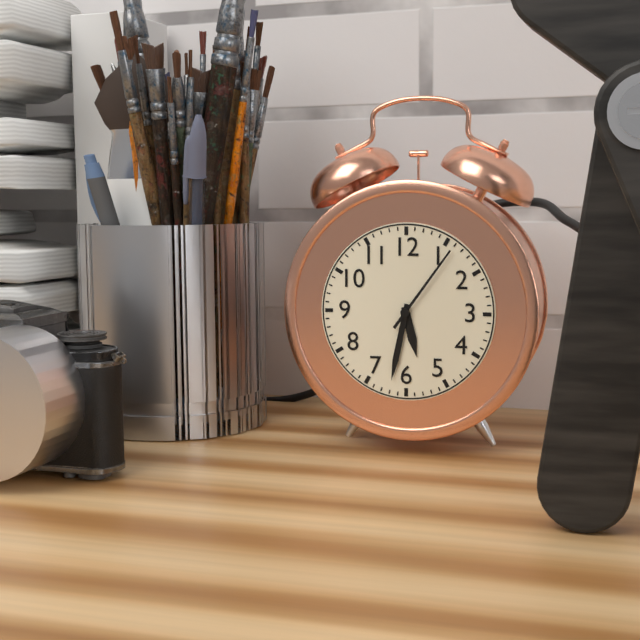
5:32:06
